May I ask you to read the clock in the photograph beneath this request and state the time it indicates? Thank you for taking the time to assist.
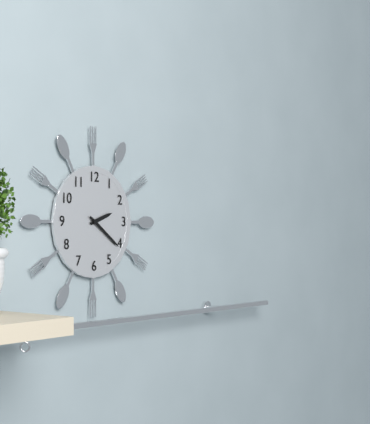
2:21
